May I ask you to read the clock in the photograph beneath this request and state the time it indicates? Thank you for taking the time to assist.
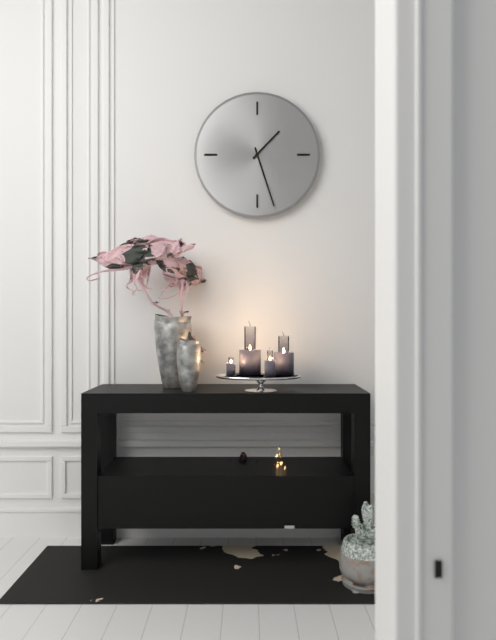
1:27
